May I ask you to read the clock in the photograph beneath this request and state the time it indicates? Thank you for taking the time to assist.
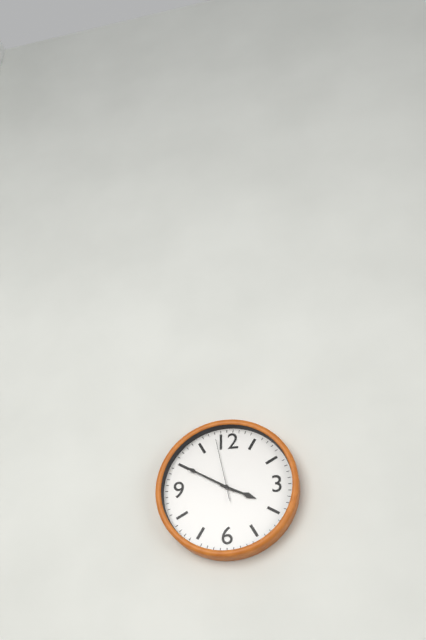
3:50:58
